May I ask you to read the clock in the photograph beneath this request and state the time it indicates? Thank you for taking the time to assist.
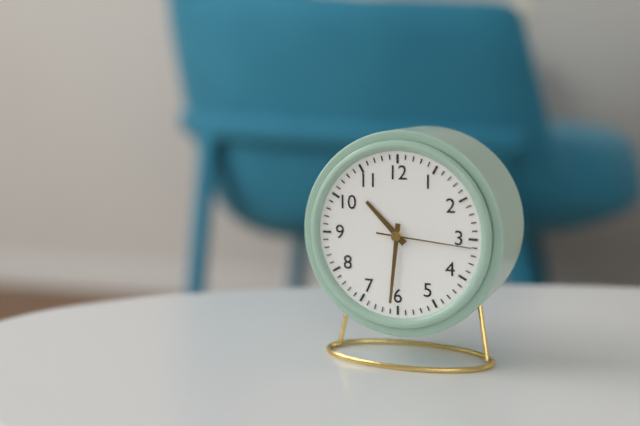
10:31:16
